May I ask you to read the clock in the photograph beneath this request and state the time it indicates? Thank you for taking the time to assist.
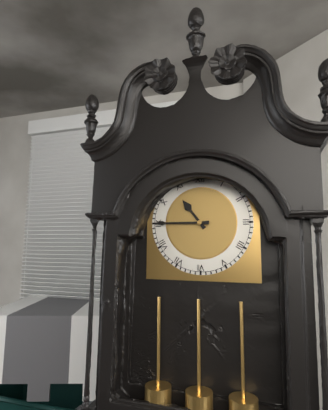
10:45
